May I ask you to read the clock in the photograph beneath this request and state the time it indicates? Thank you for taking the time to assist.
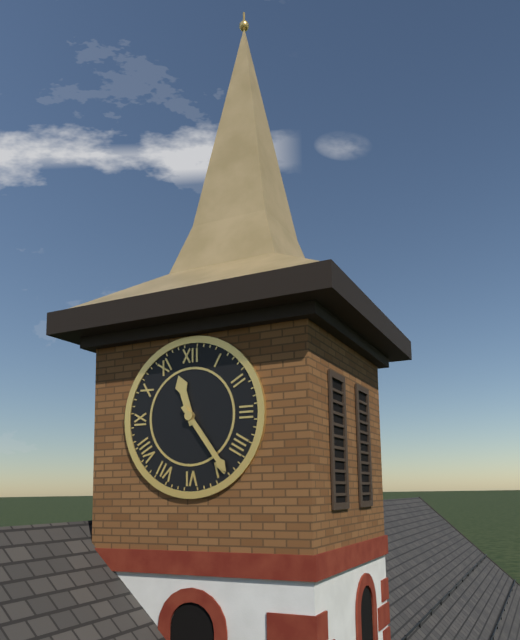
11:24
